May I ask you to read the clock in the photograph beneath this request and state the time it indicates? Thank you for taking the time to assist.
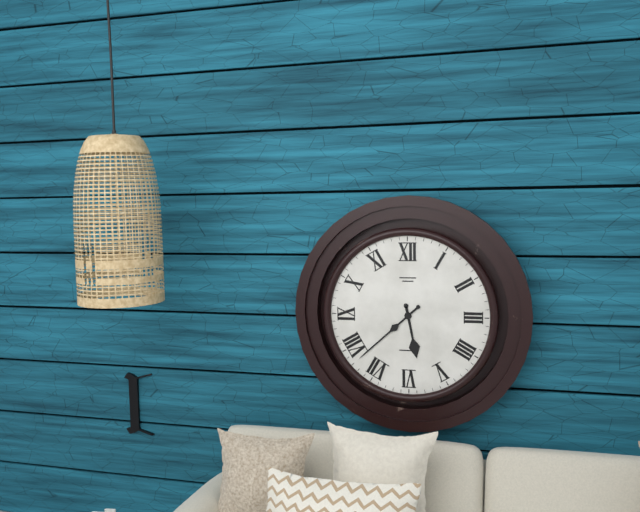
5:38
